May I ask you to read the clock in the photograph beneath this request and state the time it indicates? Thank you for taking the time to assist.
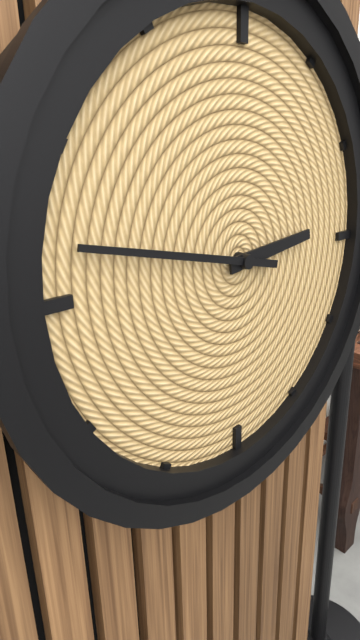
2:47
